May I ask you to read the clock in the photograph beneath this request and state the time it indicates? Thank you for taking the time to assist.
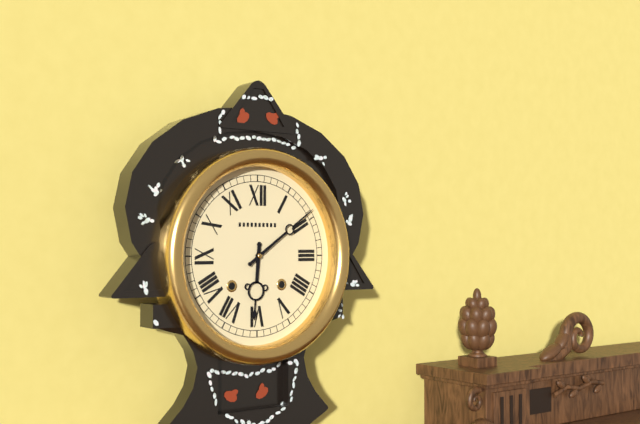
6:09
